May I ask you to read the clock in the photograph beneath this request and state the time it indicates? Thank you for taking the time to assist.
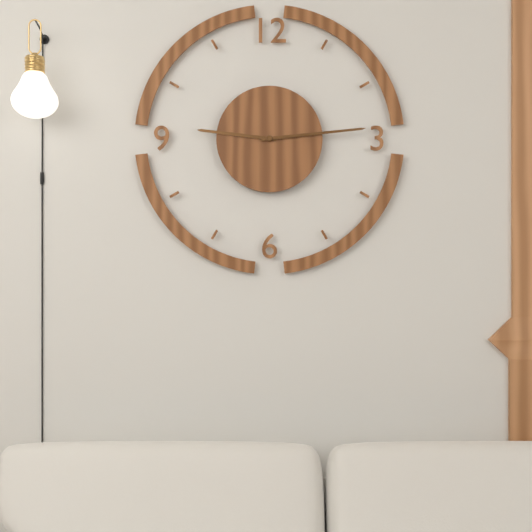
9:14
